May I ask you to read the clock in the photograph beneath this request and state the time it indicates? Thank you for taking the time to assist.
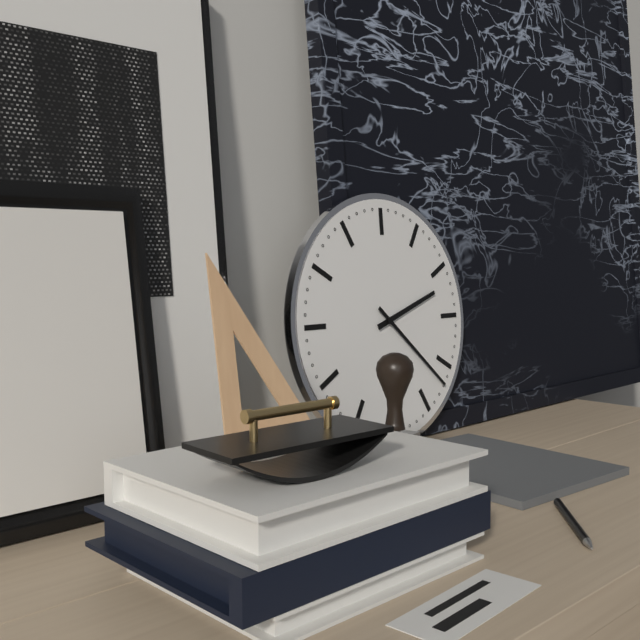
2:22
